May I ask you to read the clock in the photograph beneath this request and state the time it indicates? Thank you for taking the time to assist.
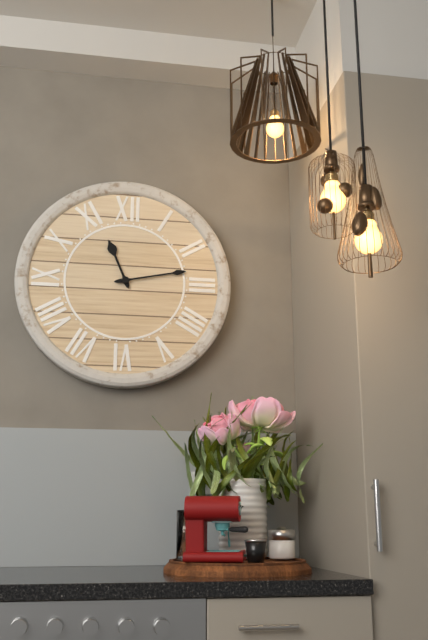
11:13
